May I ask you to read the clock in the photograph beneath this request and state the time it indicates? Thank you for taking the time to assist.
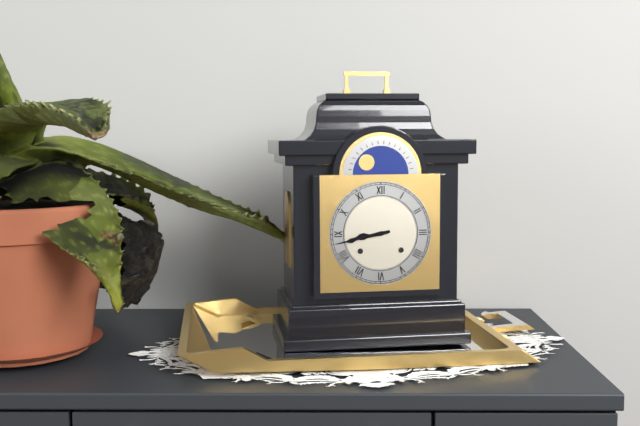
8:43
